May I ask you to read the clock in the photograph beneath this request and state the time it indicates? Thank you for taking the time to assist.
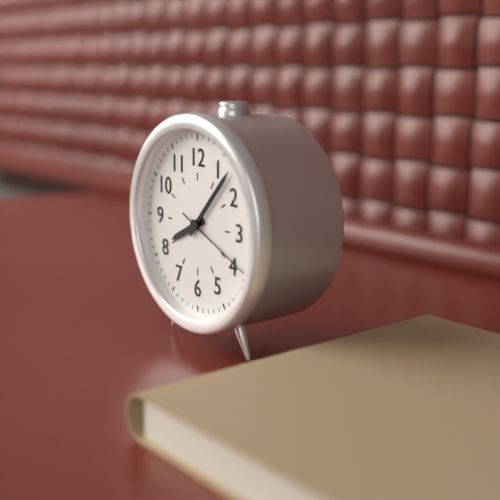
8:07:19
